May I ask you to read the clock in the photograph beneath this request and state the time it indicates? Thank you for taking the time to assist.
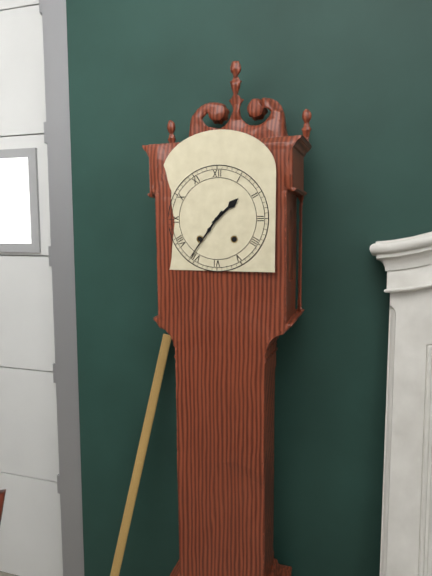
1:36
